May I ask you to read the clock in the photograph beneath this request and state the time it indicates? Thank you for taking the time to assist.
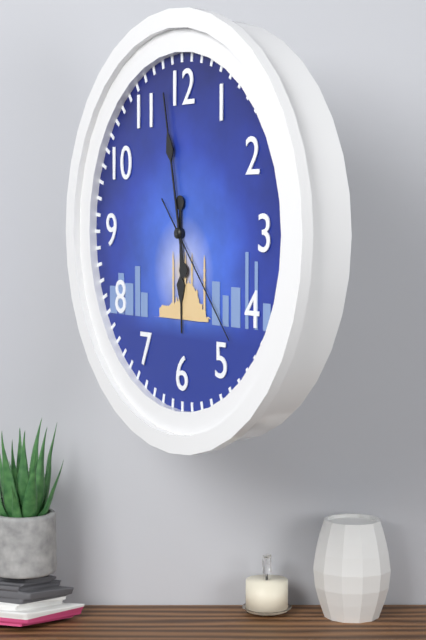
5:58:23
